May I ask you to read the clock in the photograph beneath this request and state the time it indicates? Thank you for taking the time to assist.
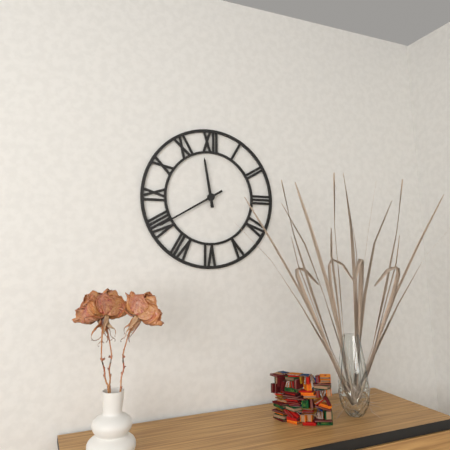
11:40
